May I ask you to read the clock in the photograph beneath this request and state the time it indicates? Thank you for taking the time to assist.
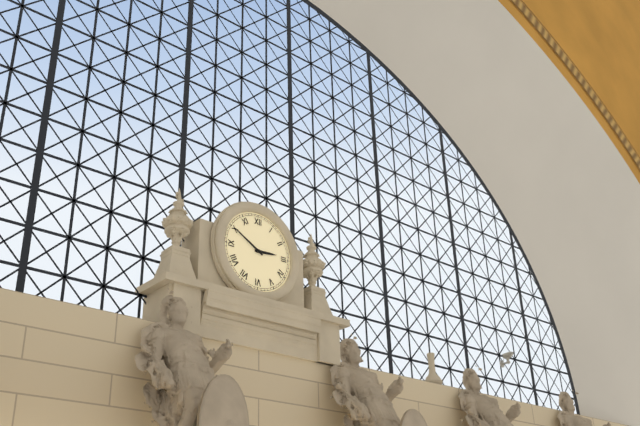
2:50
